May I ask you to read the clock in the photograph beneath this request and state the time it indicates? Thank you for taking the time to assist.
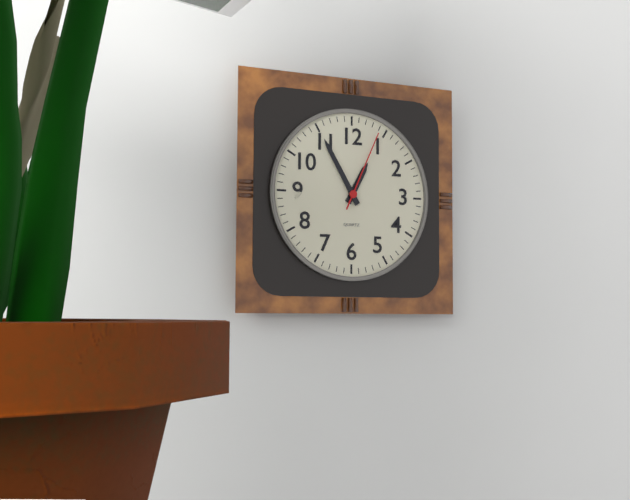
12:55:04
